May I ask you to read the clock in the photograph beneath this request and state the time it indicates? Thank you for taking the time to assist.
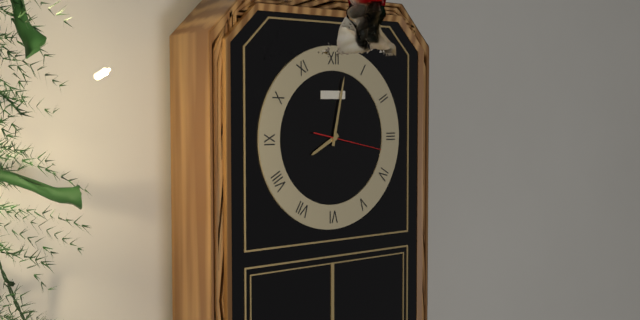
8:02:17
